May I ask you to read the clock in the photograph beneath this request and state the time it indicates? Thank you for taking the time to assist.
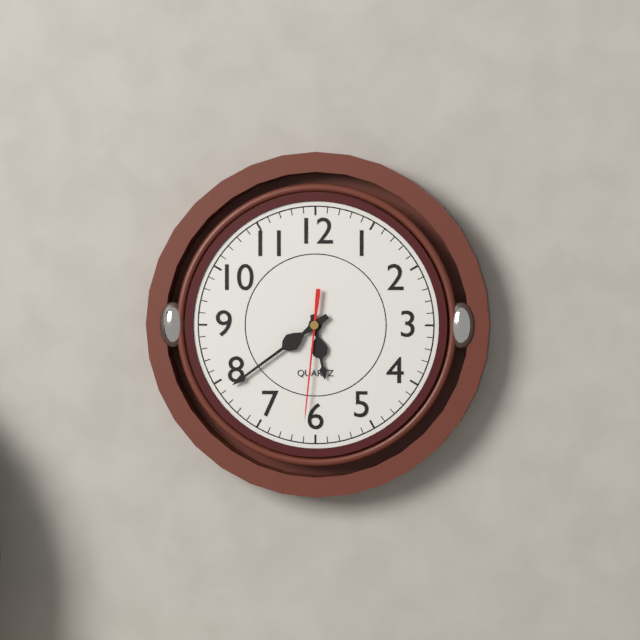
5:39:31
